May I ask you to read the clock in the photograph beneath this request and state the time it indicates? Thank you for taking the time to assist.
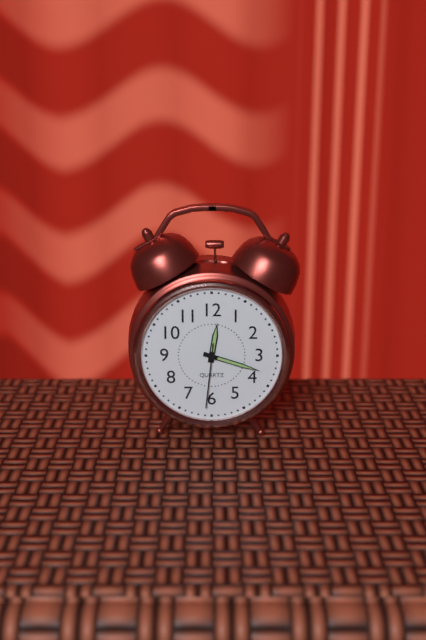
12:18:31
